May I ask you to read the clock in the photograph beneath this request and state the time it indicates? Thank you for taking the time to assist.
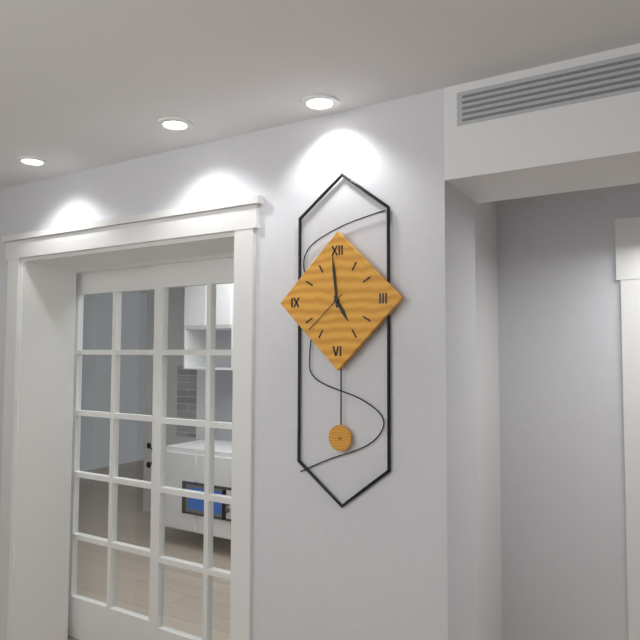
4:59:38
